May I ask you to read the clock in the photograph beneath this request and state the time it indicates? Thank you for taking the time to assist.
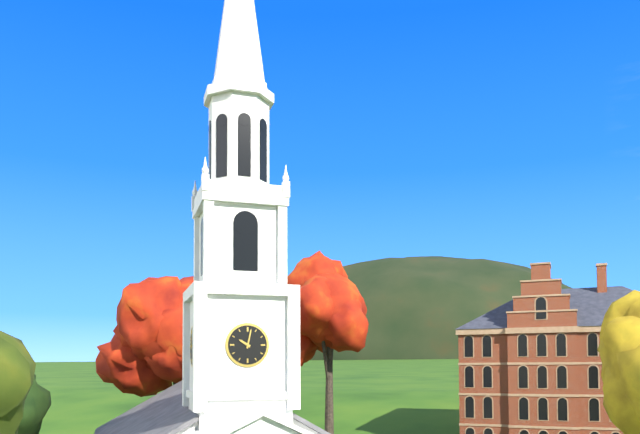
10:02
